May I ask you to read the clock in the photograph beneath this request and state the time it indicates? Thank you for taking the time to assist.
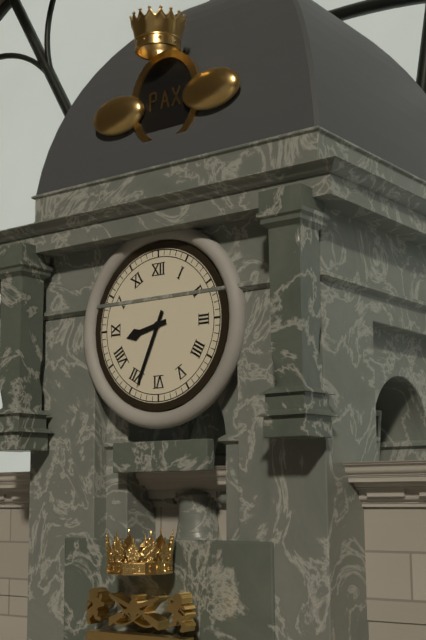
8:34
